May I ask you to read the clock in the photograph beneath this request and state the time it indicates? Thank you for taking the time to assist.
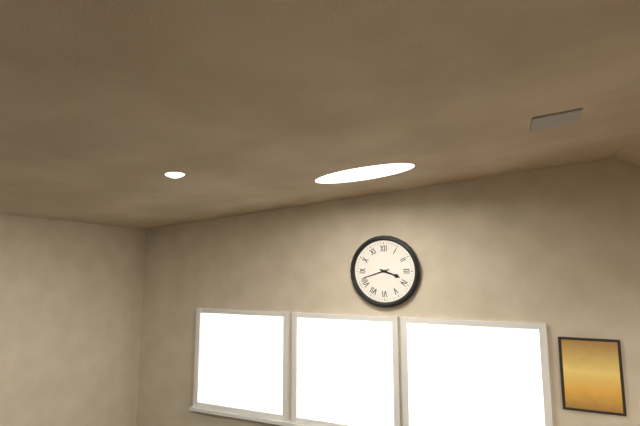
3:42
